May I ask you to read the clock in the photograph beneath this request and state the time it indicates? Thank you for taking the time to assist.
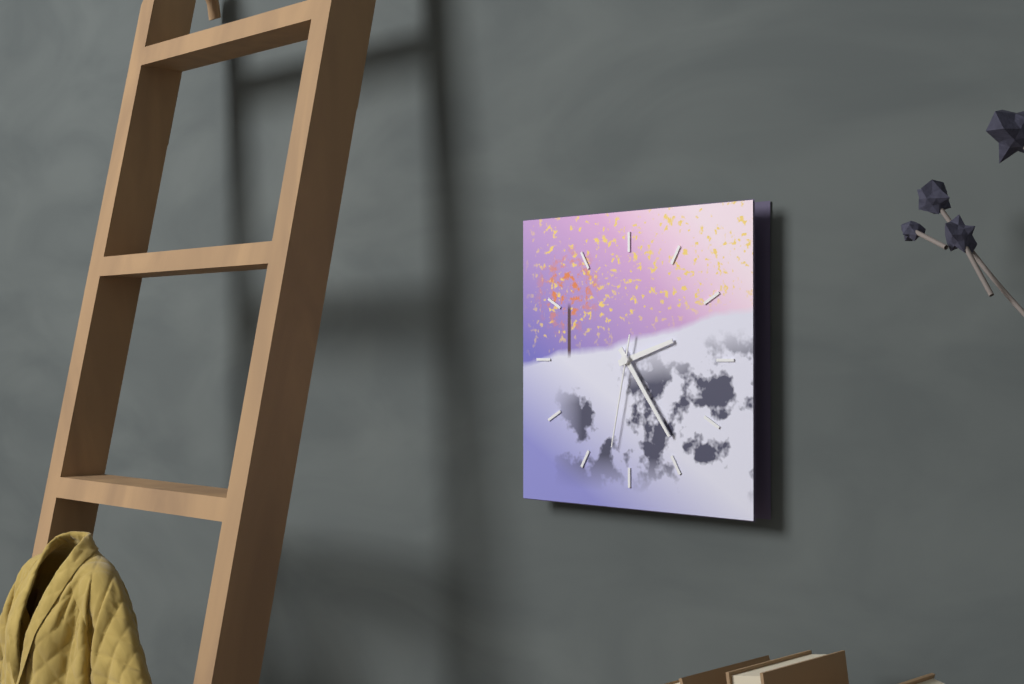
2:24:32
